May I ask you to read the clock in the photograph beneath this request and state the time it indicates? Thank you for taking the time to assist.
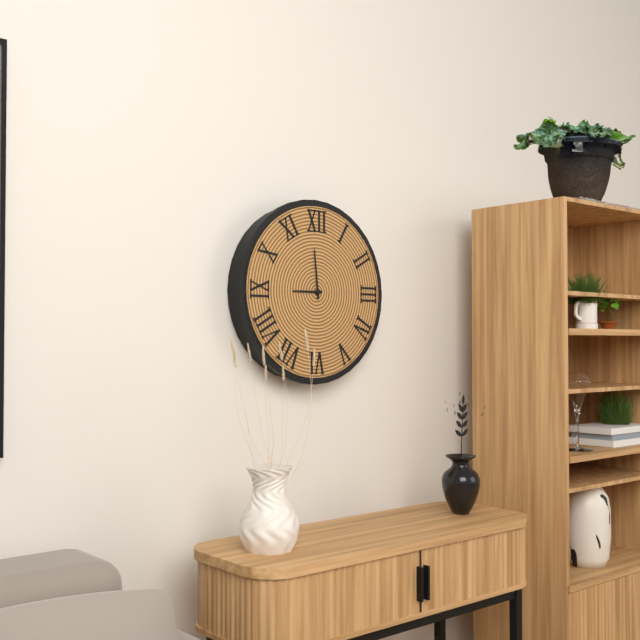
8:59
